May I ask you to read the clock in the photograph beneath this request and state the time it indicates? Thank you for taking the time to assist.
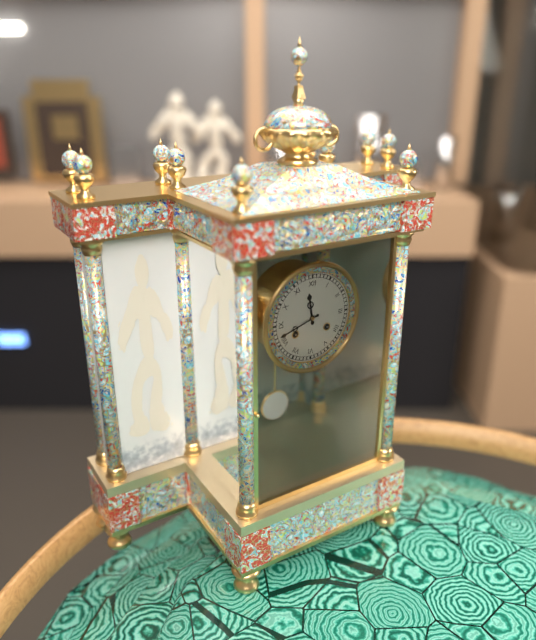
11:42
